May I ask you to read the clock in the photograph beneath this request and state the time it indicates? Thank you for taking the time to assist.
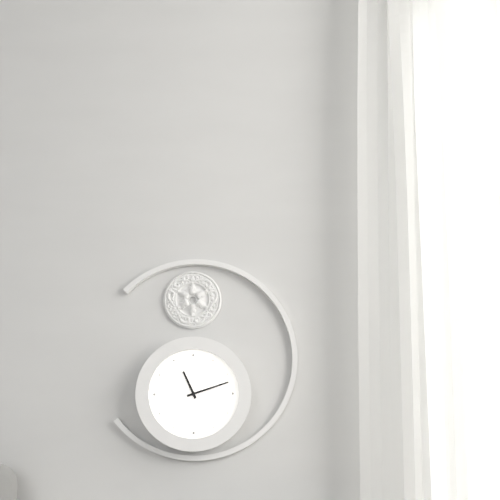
11:12
